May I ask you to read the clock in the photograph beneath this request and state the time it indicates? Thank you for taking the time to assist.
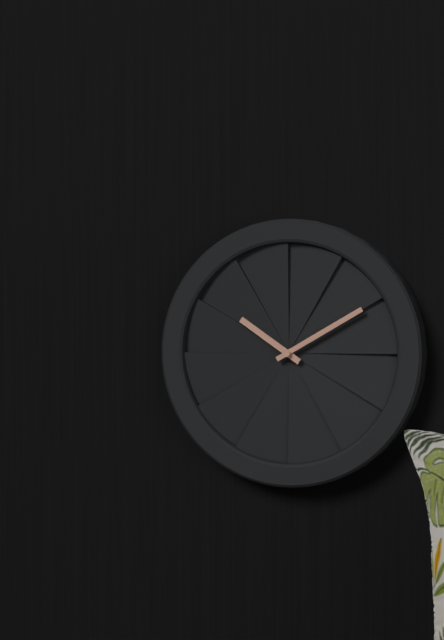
10:10
